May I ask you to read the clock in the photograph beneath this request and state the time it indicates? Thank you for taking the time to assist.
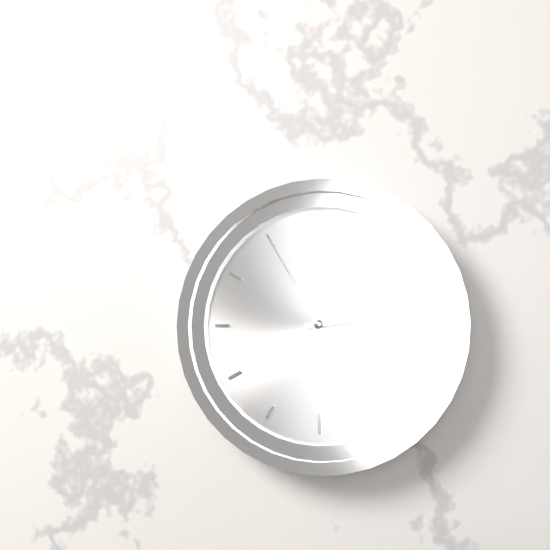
5:14:55
